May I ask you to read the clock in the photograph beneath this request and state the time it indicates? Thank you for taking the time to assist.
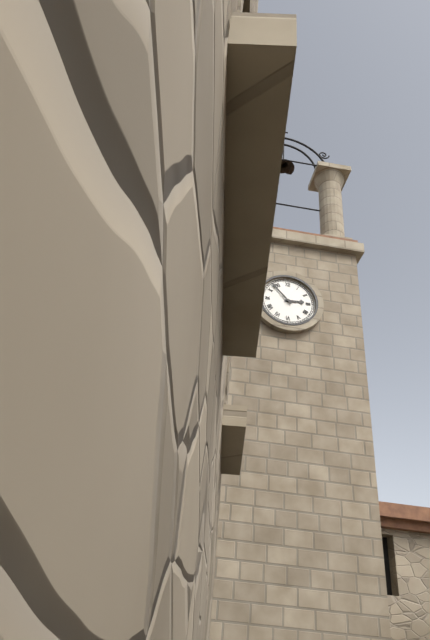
2:53
